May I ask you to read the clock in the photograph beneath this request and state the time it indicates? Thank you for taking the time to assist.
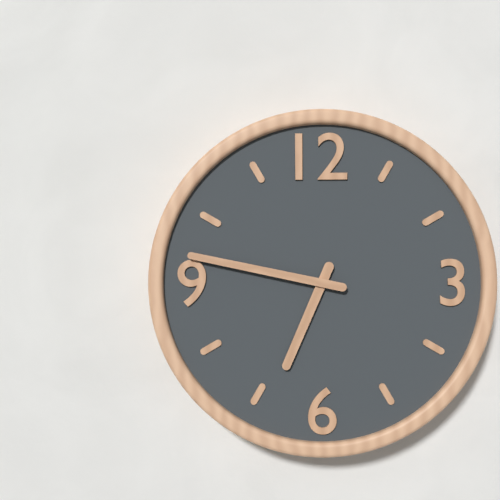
6:47
